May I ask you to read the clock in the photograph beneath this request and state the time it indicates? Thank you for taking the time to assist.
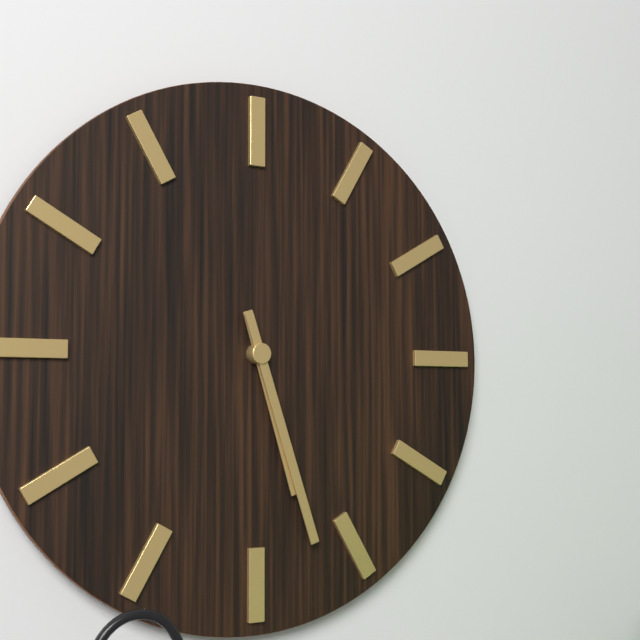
5:27
